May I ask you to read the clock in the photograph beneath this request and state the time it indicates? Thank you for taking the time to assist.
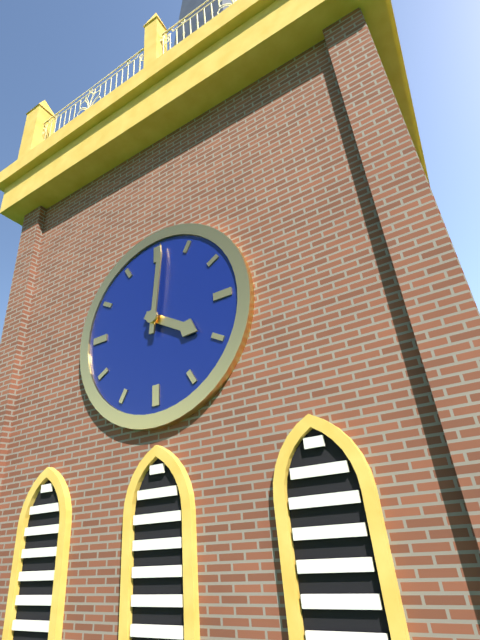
4:01
